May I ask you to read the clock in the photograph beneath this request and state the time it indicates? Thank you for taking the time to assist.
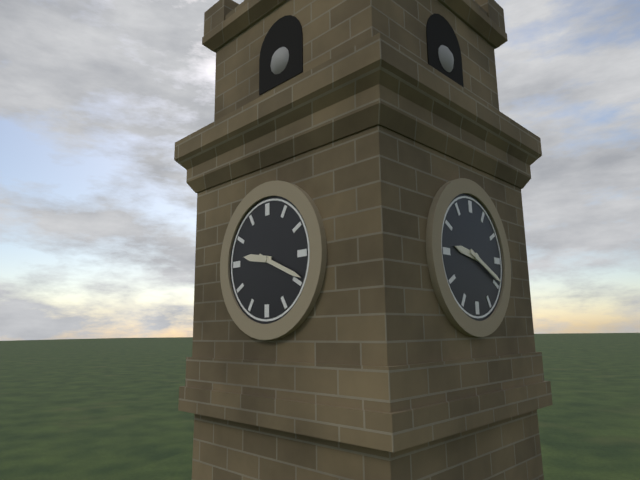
9:19
